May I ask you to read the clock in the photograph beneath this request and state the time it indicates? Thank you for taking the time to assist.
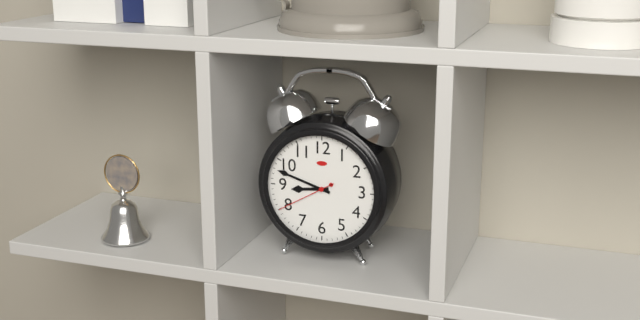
8:48:40
